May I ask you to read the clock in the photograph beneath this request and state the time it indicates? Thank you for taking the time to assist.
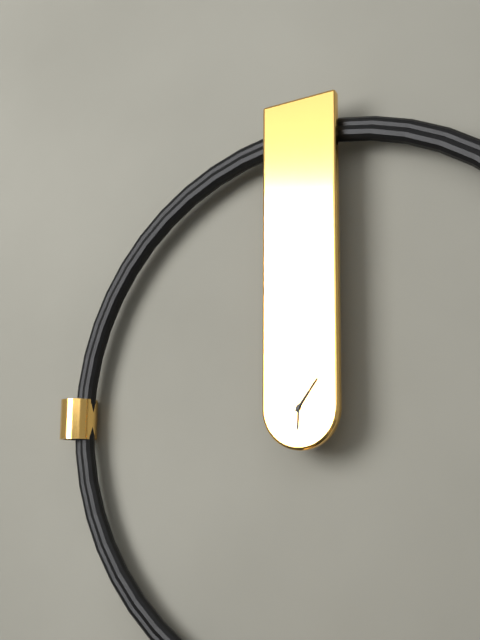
6:06
